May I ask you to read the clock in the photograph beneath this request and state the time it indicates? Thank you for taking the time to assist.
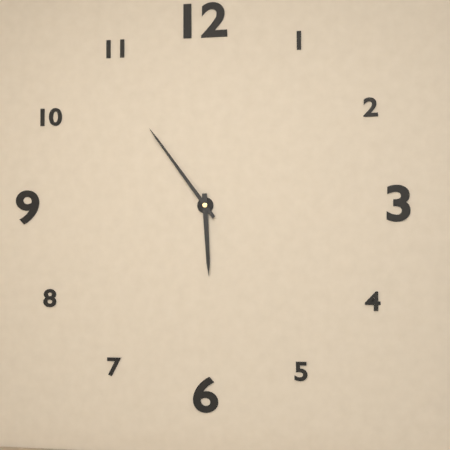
5:54
